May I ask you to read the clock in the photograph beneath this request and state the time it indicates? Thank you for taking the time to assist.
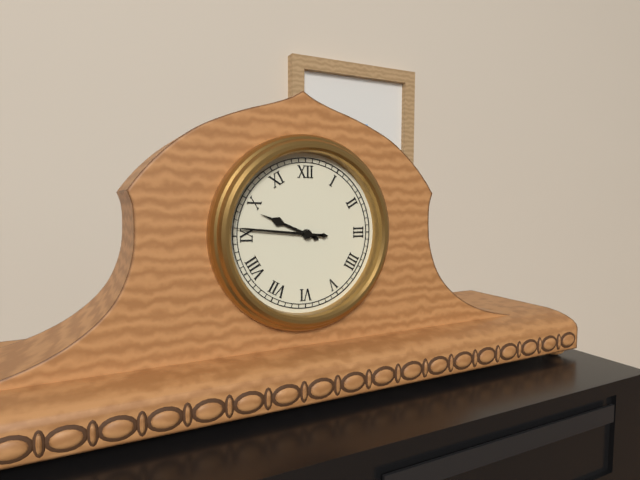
9:46
